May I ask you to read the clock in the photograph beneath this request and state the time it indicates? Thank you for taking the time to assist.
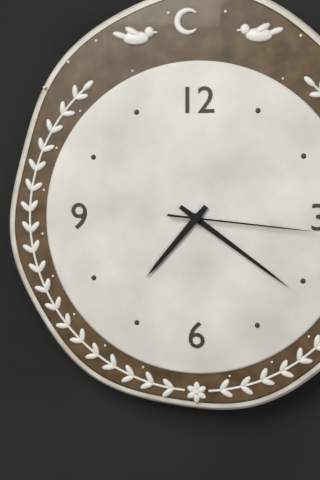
7:21:16
